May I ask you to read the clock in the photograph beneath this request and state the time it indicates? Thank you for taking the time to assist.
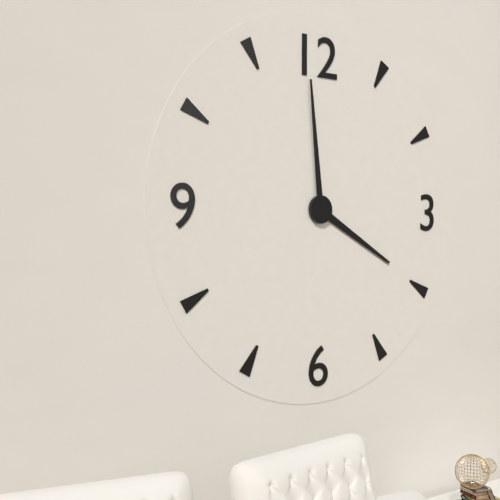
3:59
